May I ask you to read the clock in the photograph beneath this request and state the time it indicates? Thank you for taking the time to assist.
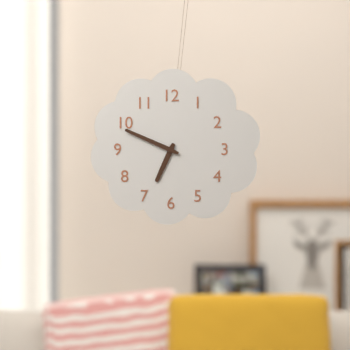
6:49
